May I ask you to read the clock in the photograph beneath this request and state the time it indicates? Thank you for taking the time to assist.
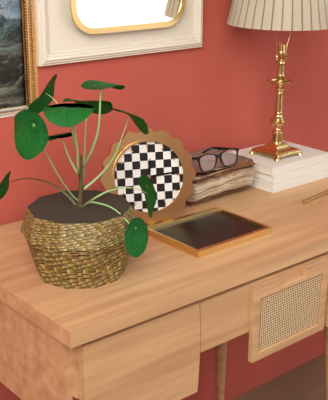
12:14
